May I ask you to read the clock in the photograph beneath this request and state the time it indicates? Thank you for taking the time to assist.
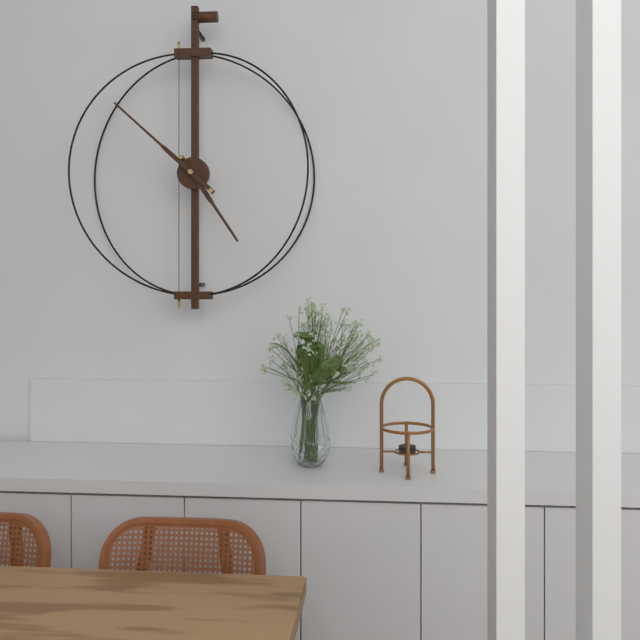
4:52
